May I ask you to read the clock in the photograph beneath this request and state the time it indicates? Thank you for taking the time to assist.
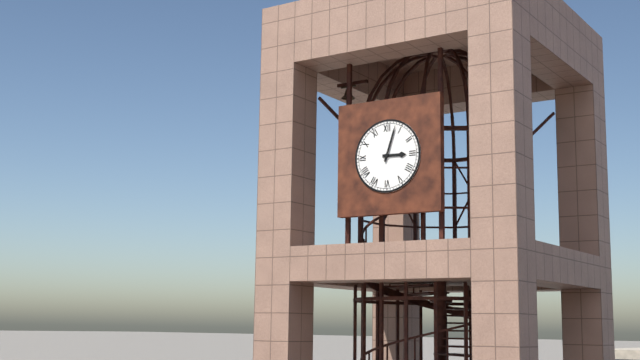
3:03
